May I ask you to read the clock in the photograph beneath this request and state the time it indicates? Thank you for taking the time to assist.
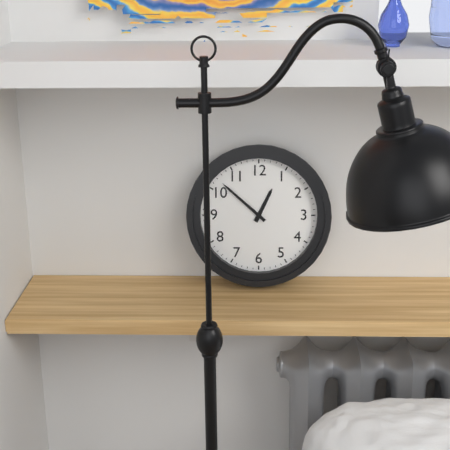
12:52
